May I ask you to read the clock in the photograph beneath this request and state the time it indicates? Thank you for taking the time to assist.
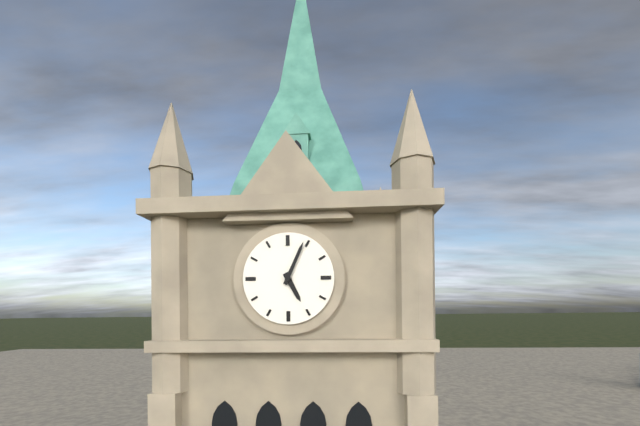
5:04
